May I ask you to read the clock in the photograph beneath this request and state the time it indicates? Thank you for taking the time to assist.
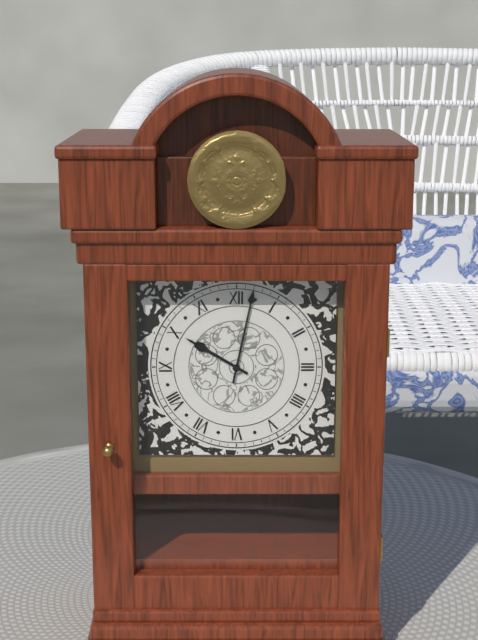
10:02
